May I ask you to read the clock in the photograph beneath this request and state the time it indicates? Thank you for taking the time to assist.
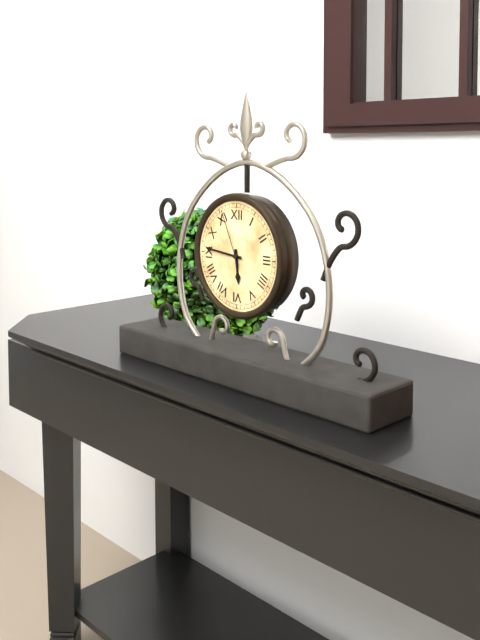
5:46:56
